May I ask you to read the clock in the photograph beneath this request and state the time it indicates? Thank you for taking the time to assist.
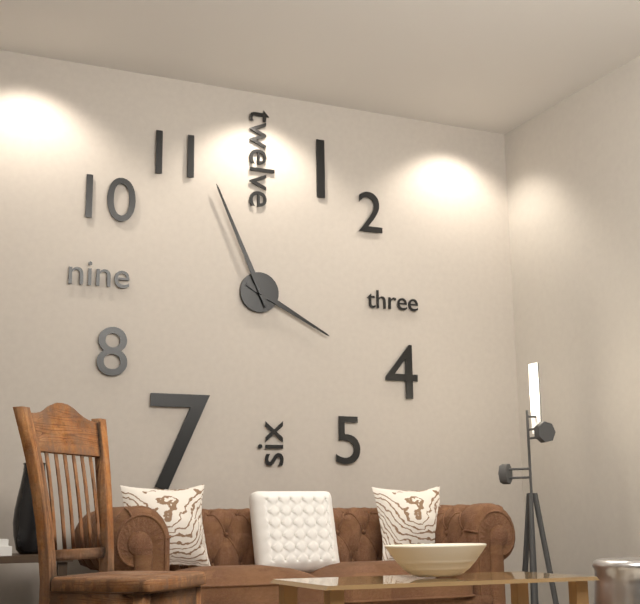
3:56
